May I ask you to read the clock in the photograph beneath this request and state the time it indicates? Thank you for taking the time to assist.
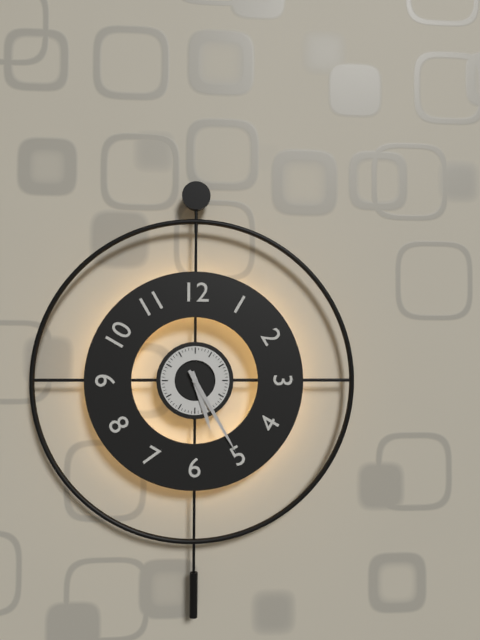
5:25
